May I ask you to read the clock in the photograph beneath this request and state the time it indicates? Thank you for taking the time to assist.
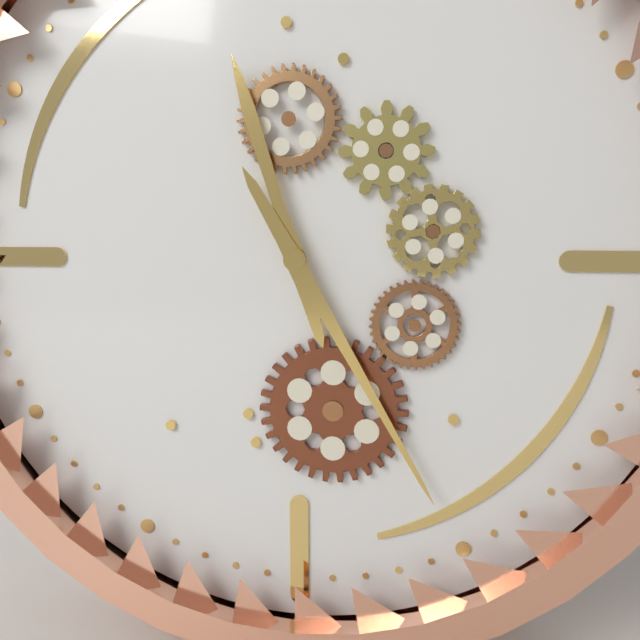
11:25
